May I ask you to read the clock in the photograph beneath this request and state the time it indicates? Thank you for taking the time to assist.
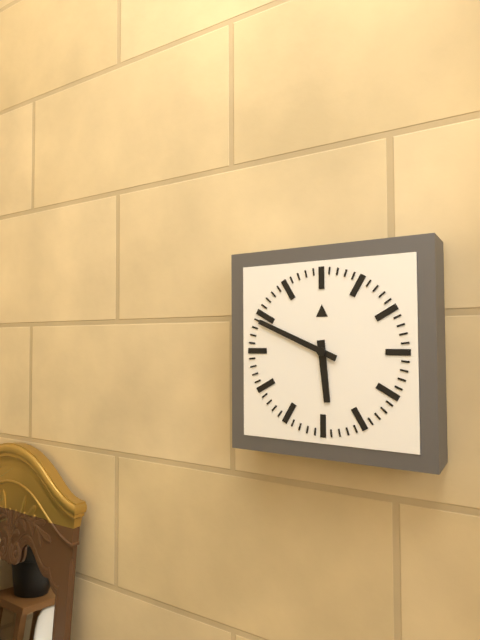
5:49
